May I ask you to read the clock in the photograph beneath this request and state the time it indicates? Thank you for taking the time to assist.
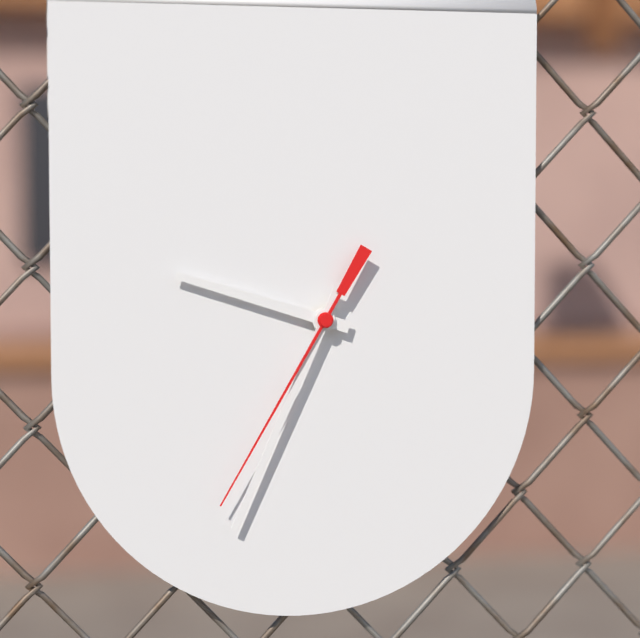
9:34:35
